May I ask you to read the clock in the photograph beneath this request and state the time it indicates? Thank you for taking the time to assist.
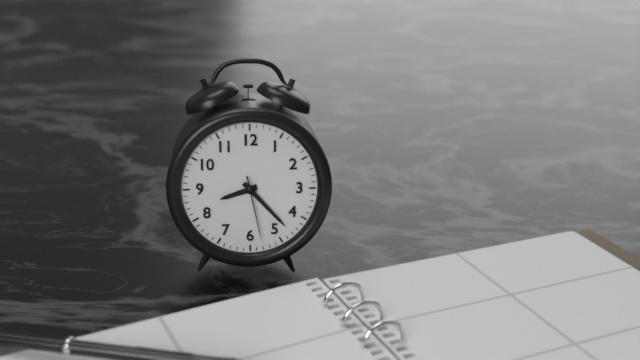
8:23:28
